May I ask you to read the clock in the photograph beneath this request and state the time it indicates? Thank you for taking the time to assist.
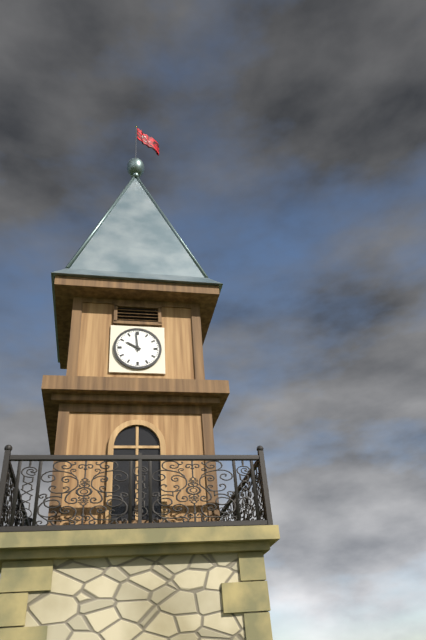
9:59
